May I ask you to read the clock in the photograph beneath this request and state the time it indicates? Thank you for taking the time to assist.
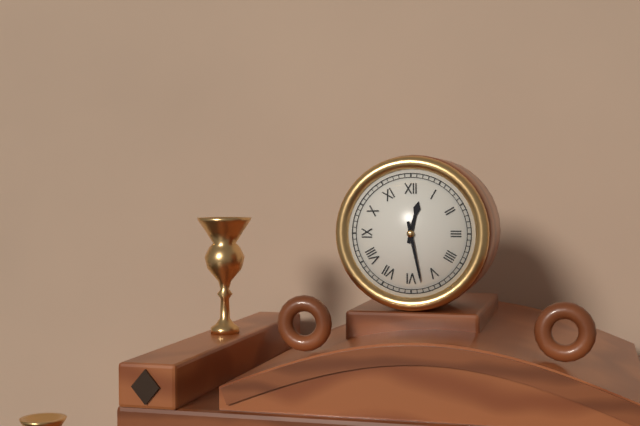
12:28
